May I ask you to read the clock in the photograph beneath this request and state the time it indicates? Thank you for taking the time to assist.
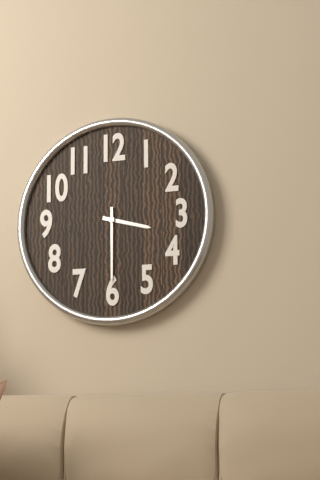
3:30
